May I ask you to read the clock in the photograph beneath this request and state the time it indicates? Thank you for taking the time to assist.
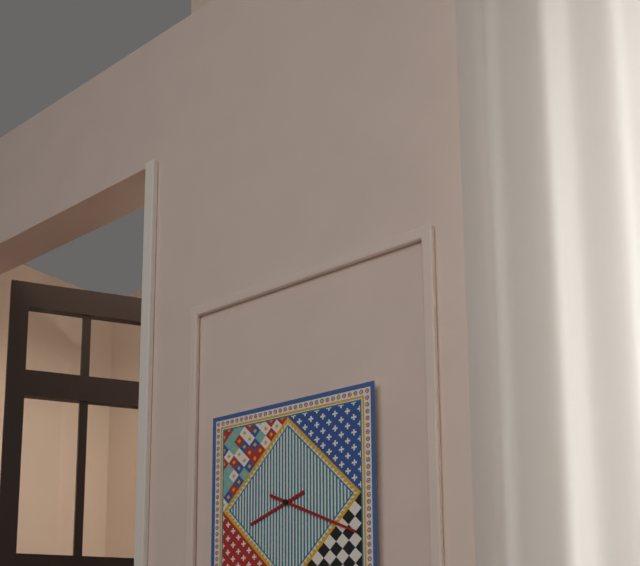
8:19
